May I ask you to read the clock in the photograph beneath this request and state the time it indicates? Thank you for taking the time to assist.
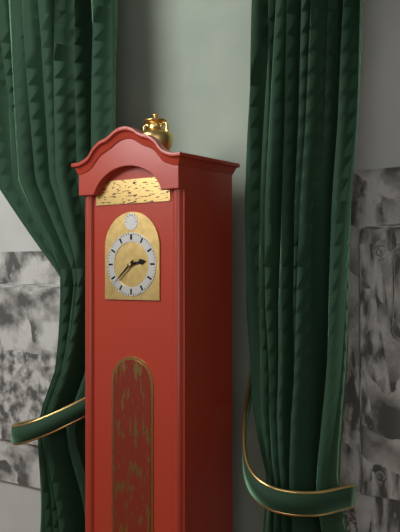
2:38
